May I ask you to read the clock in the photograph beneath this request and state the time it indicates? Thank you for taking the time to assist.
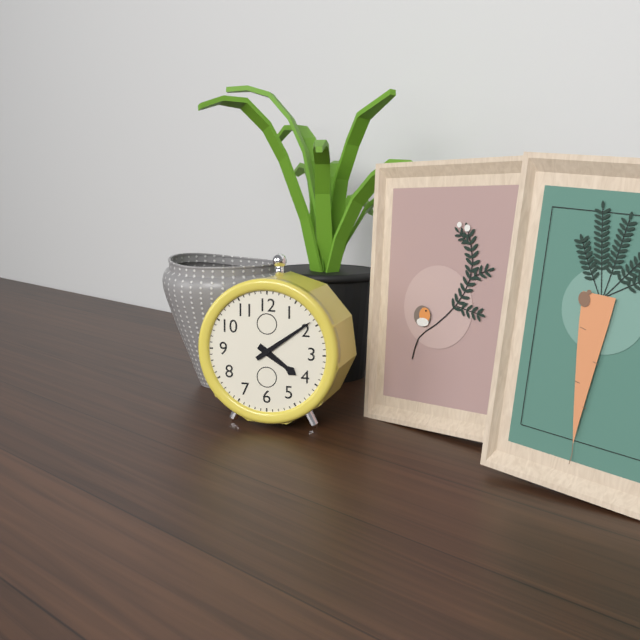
4:09
